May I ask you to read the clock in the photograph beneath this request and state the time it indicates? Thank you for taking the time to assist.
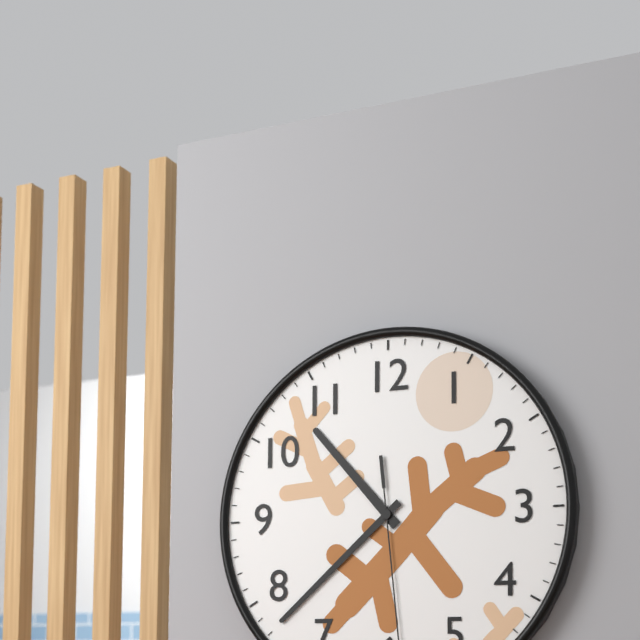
10:38
